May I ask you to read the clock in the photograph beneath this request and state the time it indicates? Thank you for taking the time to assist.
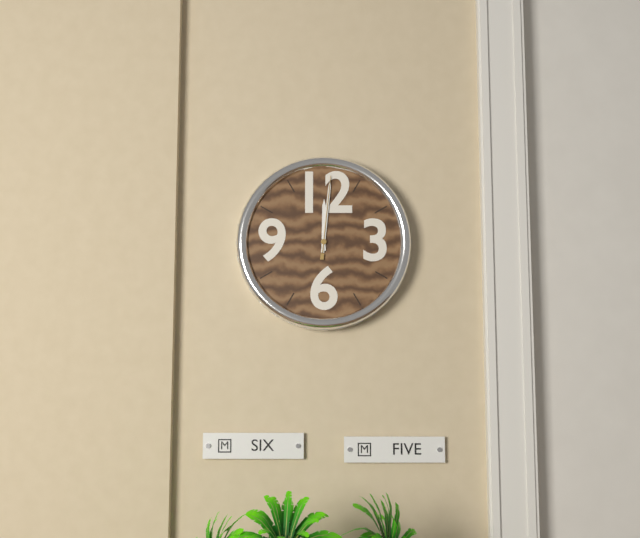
12:01:01
